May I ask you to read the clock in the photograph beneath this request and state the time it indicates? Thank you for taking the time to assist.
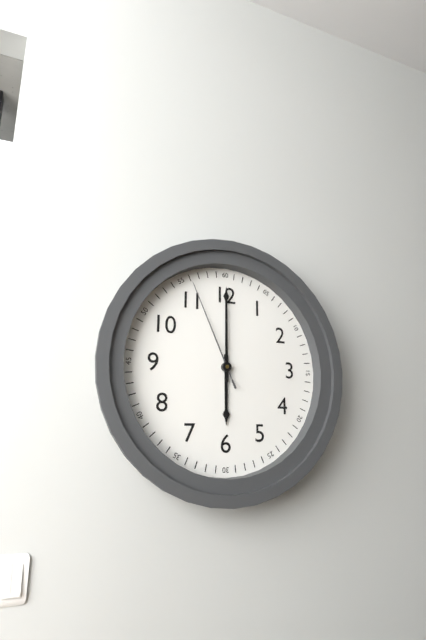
6:00:56
